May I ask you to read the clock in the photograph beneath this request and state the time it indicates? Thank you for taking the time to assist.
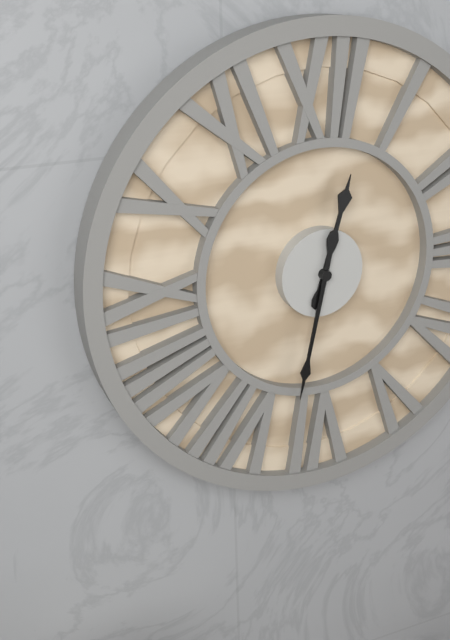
12:32
